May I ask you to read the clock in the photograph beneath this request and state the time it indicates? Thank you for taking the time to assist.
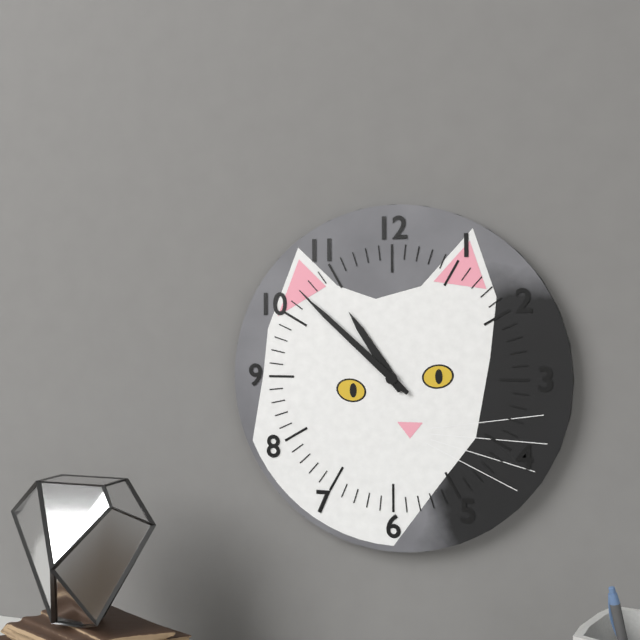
10:52
